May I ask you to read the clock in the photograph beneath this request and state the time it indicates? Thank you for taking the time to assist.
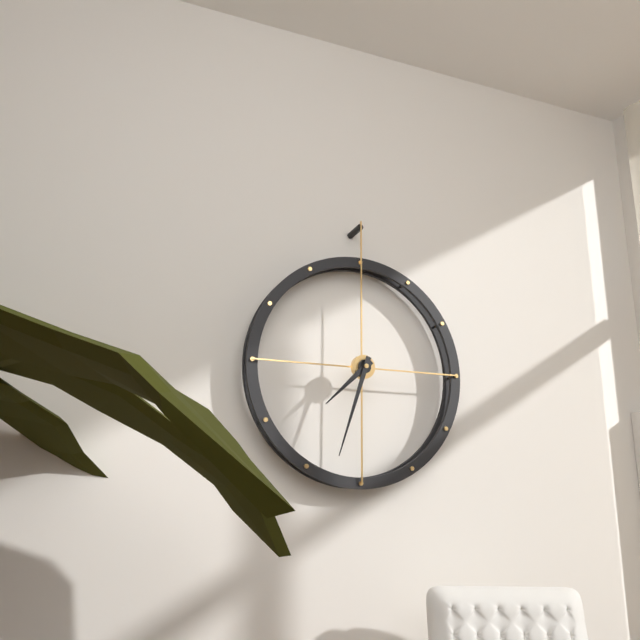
7:33
